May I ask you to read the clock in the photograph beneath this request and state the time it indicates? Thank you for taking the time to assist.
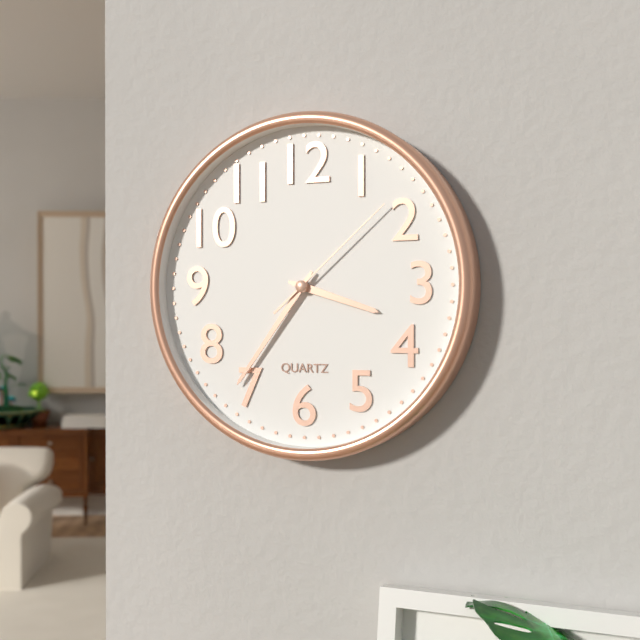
3:36:08
